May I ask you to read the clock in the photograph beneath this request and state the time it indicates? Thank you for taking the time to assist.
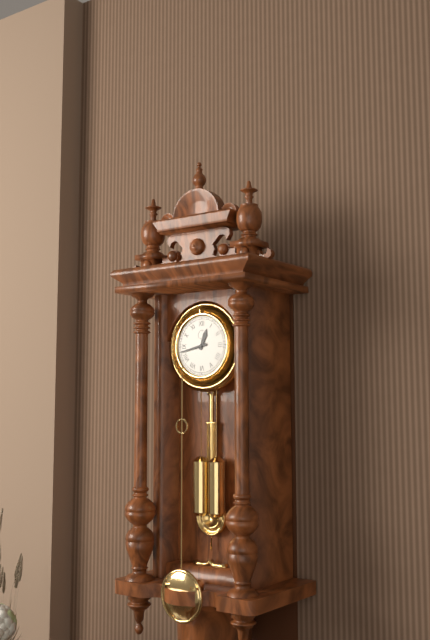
12:43
